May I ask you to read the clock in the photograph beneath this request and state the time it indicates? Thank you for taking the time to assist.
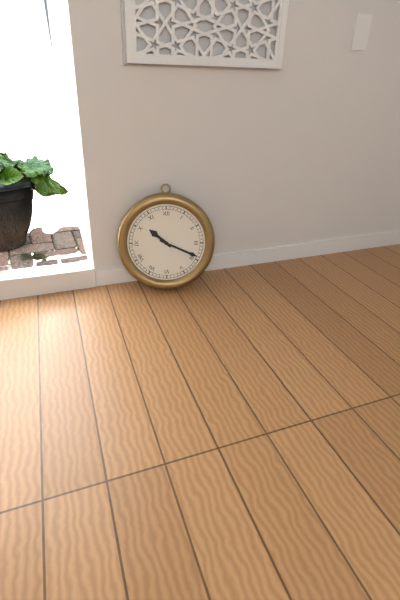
10:19
